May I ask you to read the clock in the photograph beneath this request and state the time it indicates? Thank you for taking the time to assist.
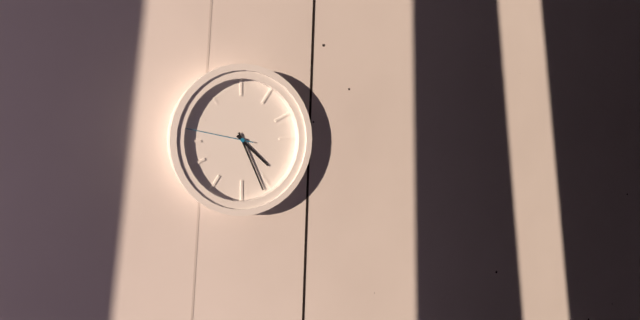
4:26:47
